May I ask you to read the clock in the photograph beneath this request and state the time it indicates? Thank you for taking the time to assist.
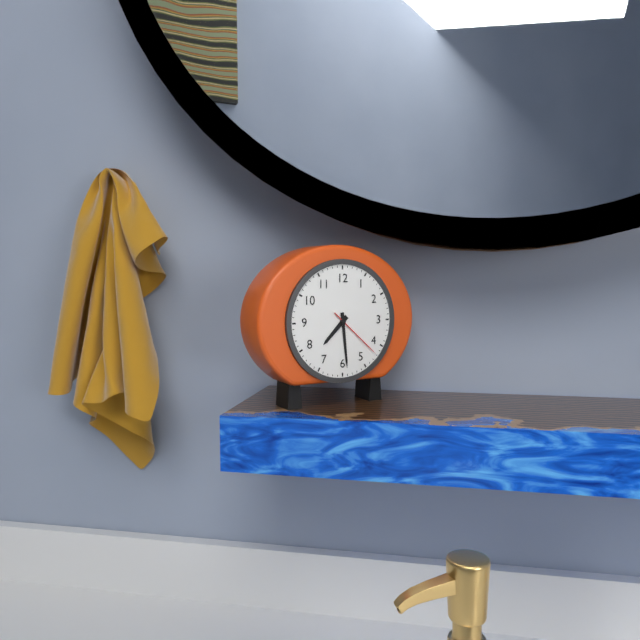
7:29:22
